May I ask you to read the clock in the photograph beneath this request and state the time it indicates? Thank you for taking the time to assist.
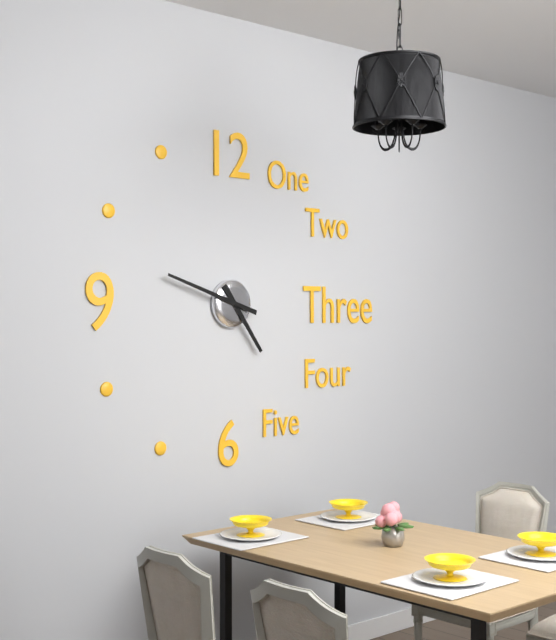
4:48
